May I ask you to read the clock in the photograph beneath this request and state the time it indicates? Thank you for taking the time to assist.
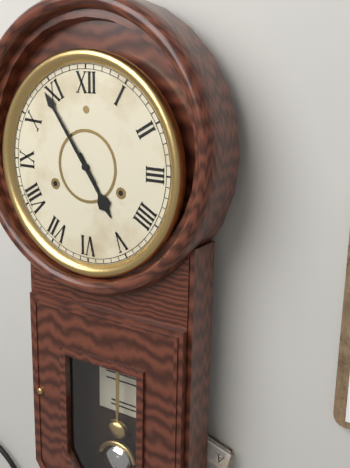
4:54
